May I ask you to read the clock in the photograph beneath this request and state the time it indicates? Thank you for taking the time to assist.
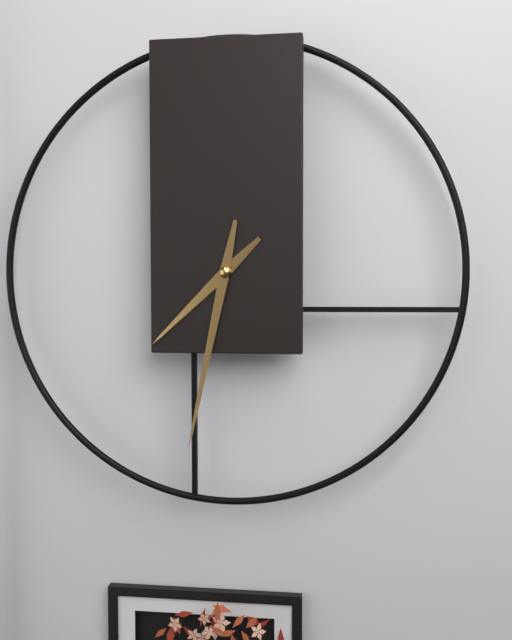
7:32
